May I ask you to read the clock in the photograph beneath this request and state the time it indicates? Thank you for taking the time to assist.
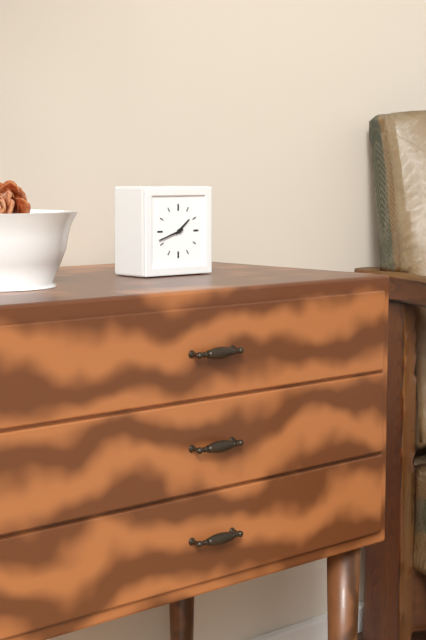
1:42
